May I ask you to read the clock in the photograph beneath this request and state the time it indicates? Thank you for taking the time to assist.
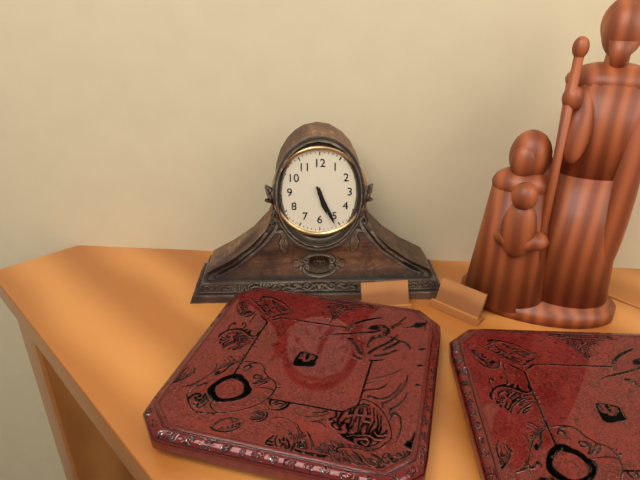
5:26
